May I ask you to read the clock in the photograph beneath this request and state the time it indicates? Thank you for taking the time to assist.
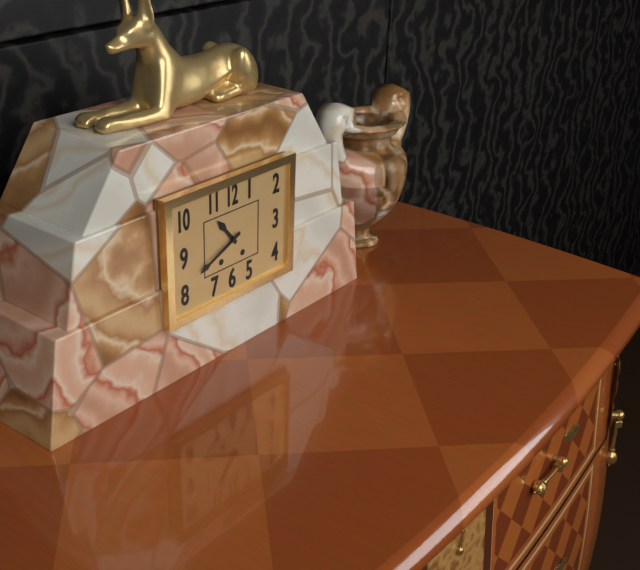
10:41
